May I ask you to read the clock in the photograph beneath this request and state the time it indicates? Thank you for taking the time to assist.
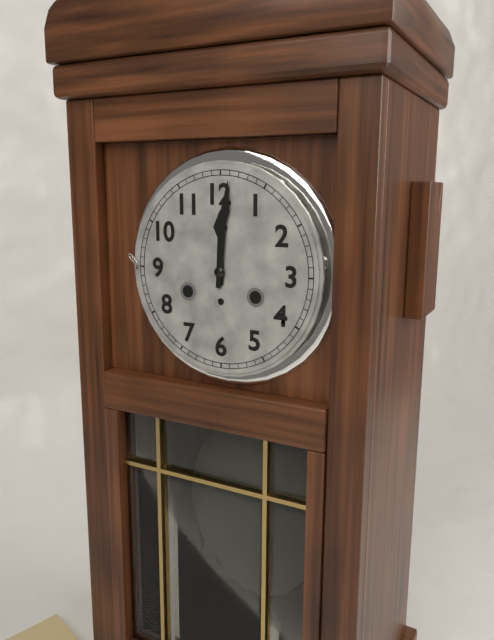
12:01
